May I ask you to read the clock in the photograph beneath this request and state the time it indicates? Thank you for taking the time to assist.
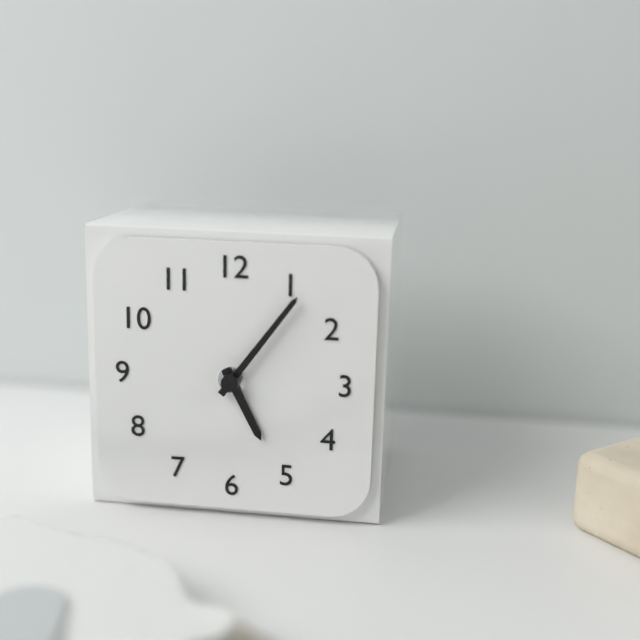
5:06
